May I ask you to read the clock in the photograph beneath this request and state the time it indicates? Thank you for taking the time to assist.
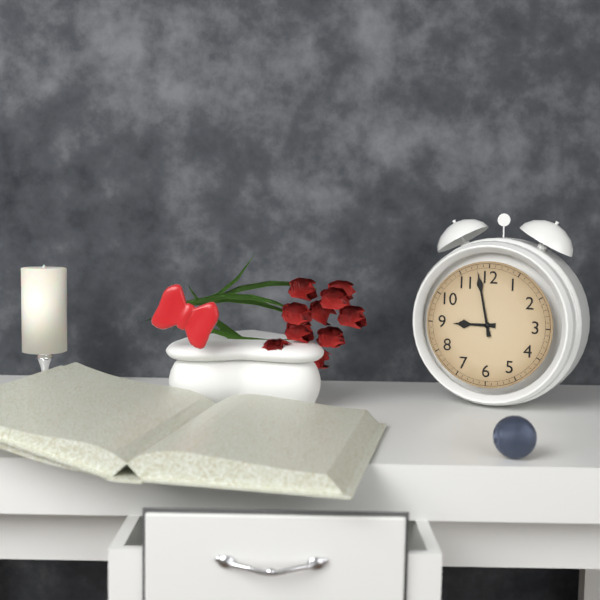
8:58
